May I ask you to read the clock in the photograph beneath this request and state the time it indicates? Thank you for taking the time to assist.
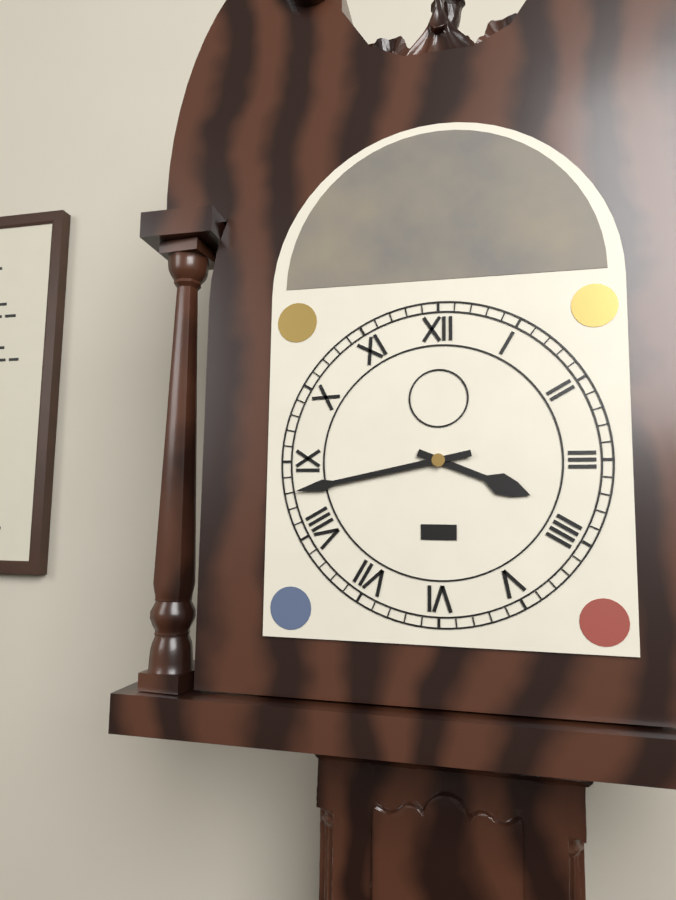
3:43
